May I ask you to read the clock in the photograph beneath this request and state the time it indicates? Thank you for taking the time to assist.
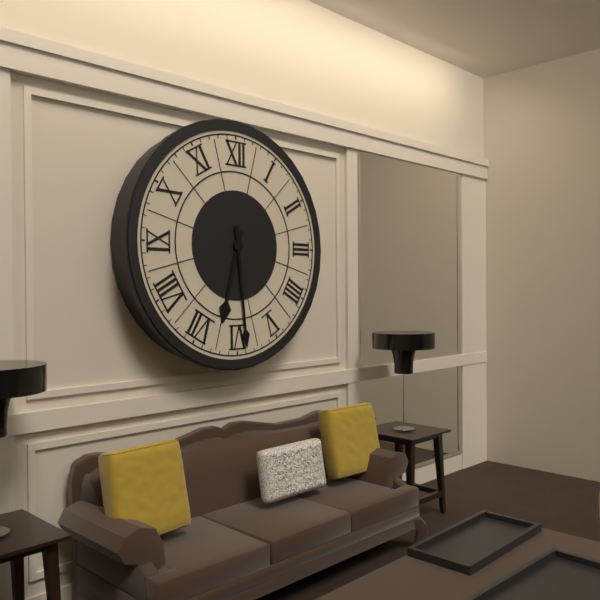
6:29
